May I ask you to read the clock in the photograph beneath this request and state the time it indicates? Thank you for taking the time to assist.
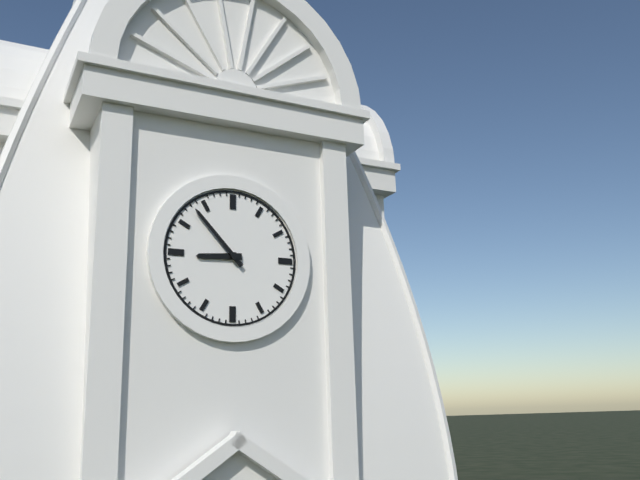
8:53
